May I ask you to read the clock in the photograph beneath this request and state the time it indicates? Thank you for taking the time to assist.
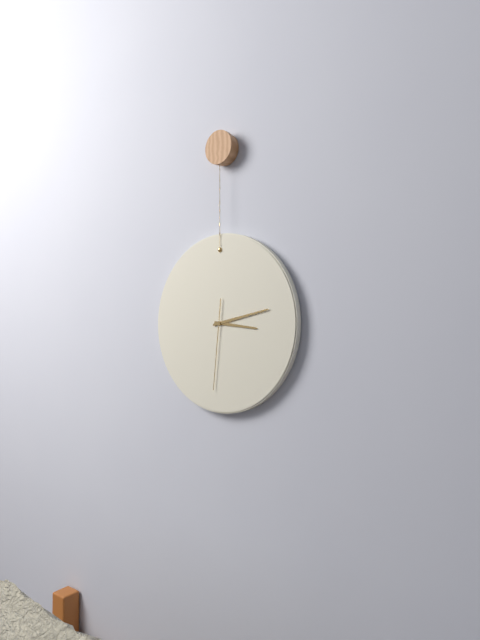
3:13:31
